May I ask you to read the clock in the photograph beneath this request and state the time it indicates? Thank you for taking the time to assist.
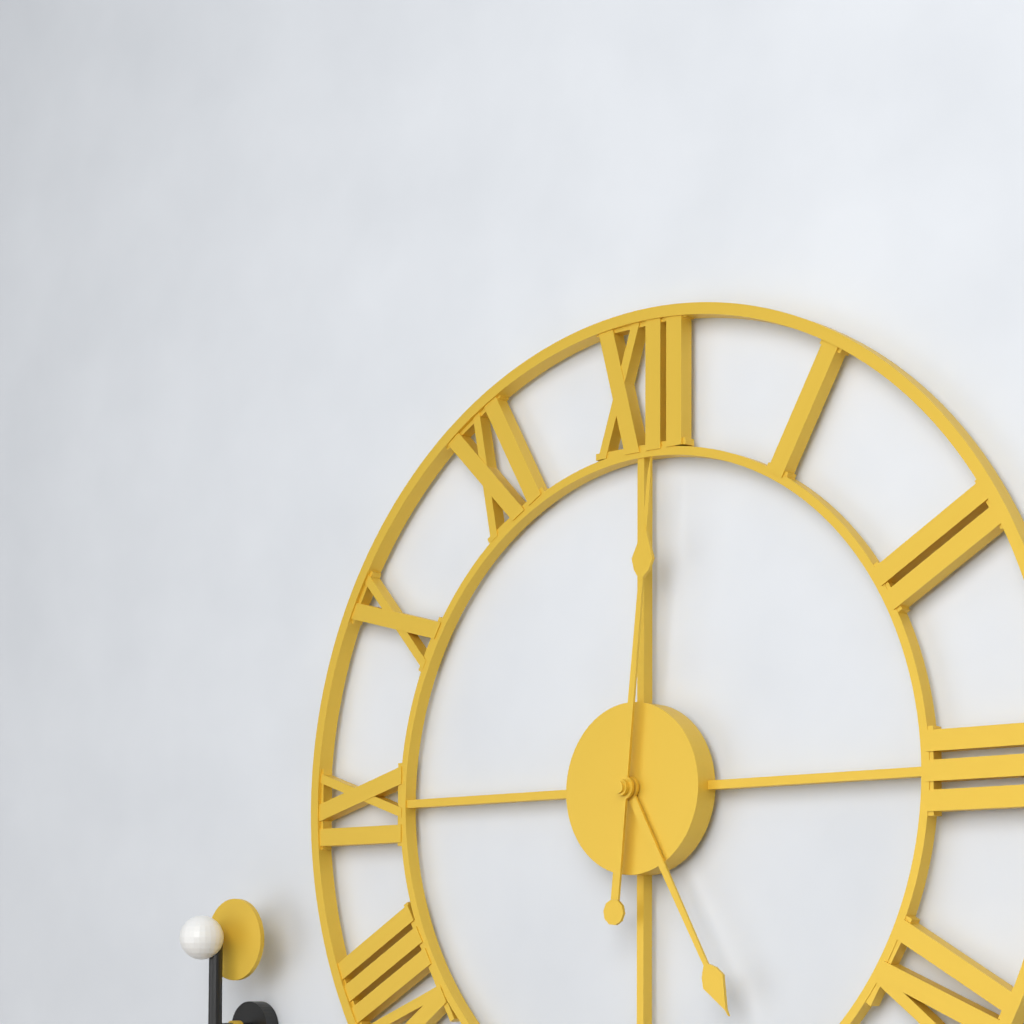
5:01
